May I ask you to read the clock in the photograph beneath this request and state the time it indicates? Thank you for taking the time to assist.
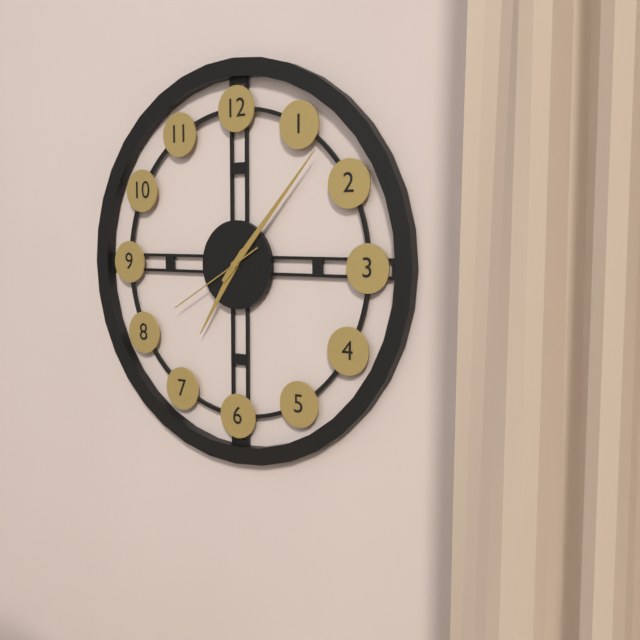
7:07:40
